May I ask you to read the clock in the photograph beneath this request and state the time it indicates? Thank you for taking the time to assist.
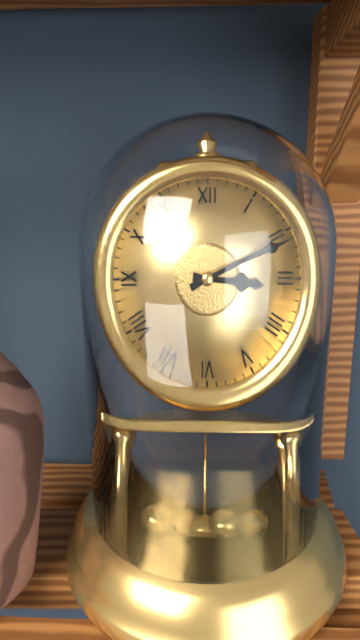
3:11
